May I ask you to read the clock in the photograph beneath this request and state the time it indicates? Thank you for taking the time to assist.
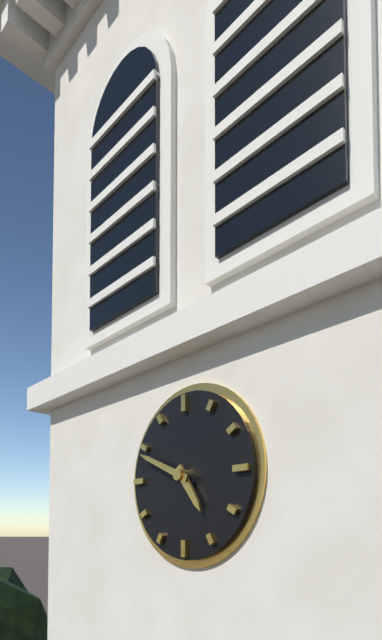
4:49
